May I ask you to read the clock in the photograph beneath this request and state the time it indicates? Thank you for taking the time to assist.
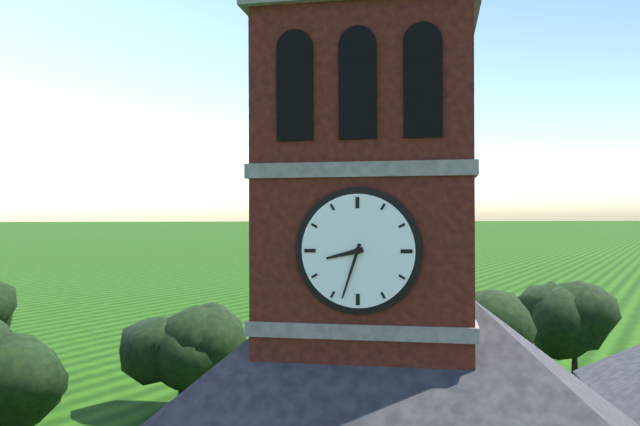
8:33
